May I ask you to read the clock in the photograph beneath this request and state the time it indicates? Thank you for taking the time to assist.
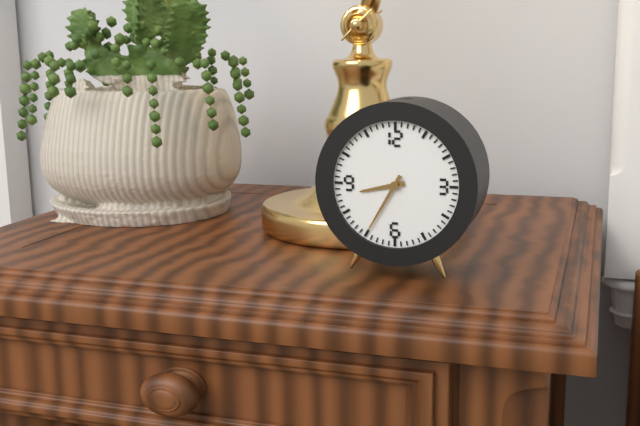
8:35
